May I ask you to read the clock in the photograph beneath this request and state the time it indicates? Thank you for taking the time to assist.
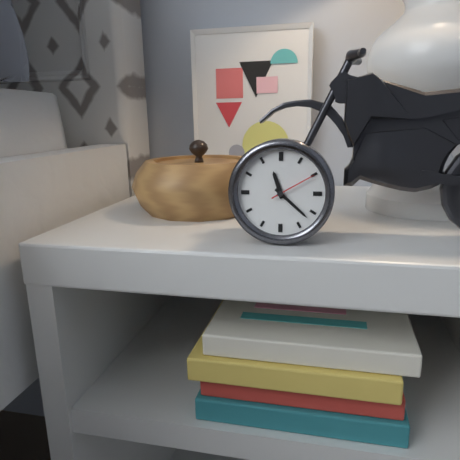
11:22
